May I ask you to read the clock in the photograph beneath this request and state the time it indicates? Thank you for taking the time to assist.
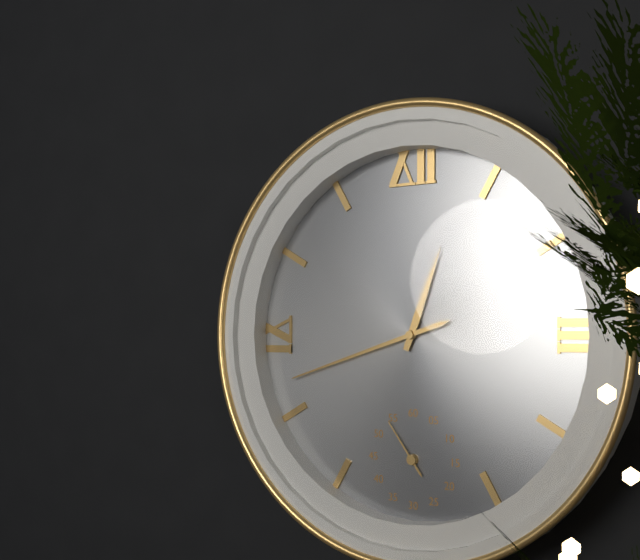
12:42:54
